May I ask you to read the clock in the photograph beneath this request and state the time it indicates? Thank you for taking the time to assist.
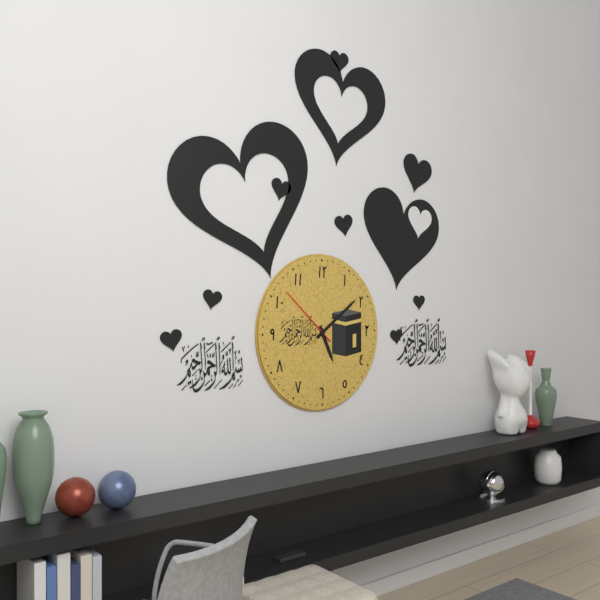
5:09:52
